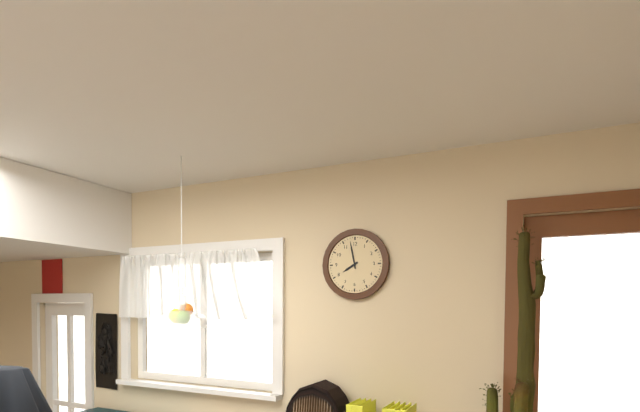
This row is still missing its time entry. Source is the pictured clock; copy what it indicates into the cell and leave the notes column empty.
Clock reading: 7:58
